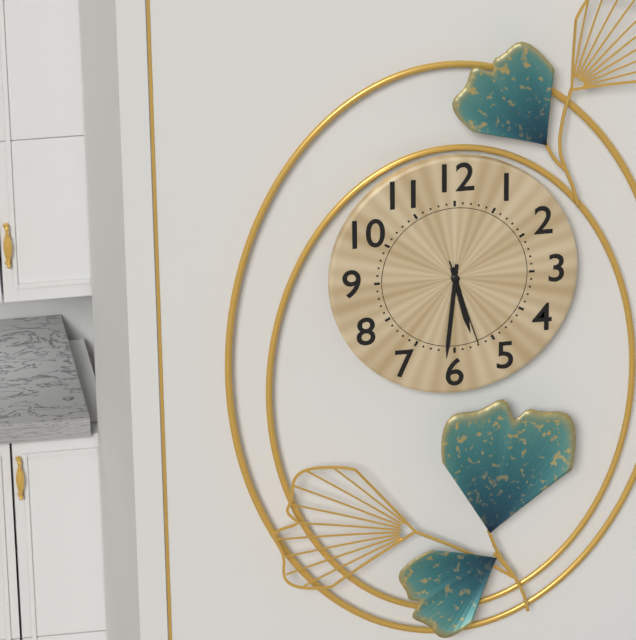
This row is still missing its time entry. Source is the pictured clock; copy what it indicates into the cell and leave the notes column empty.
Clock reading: 5:31:27
